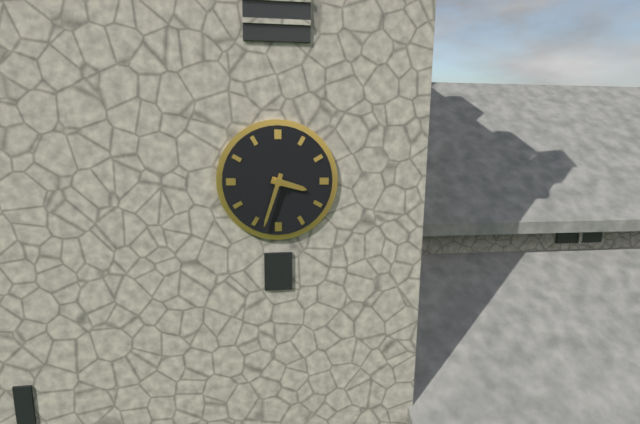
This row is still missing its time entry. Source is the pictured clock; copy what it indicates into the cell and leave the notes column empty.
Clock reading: 3:33
